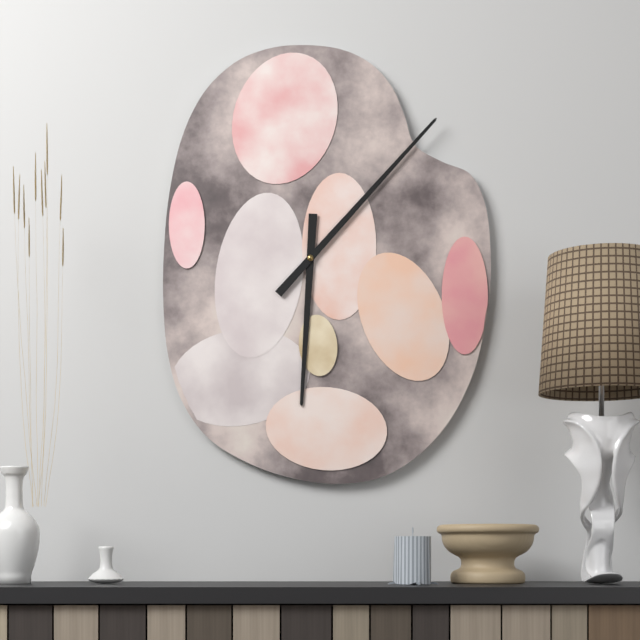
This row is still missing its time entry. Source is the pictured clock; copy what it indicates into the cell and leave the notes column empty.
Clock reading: 6:07
